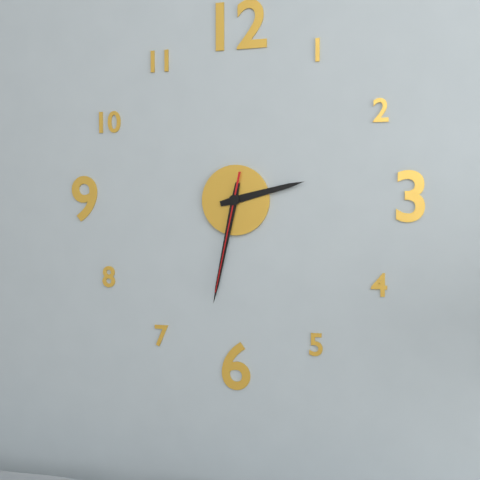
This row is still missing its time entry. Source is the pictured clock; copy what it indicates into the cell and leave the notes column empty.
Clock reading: 2:32:32
